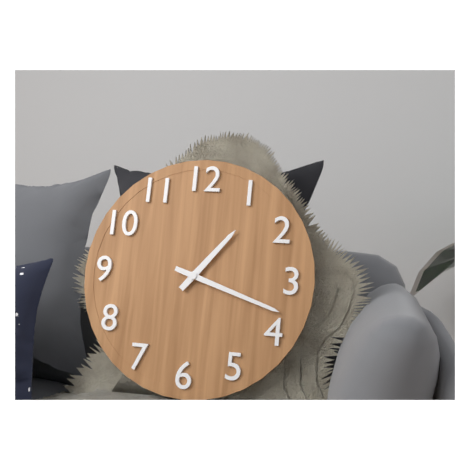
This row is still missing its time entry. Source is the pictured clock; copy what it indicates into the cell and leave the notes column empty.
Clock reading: 1:18
